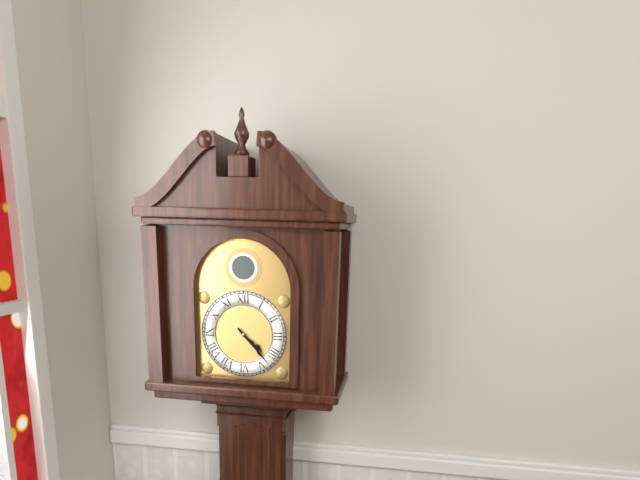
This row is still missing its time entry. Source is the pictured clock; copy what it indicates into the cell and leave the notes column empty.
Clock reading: 4:23
